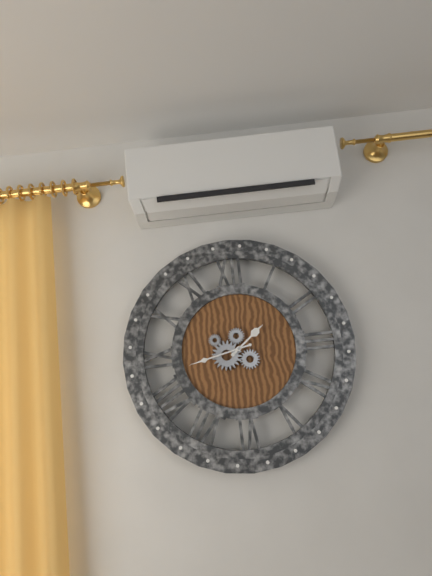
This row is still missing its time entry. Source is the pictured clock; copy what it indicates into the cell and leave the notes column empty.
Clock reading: 1:43
